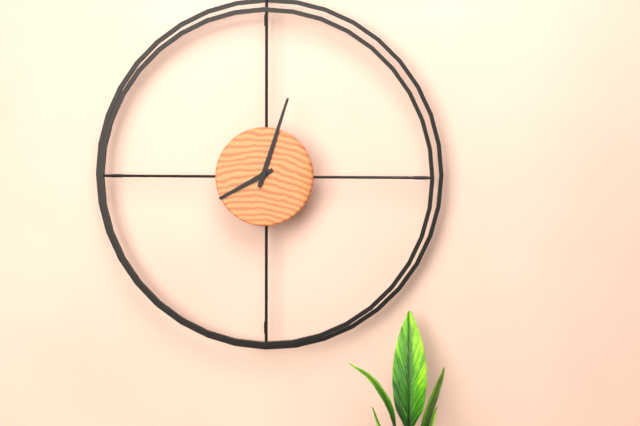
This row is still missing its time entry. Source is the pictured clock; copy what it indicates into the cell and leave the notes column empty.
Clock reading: 8:03
